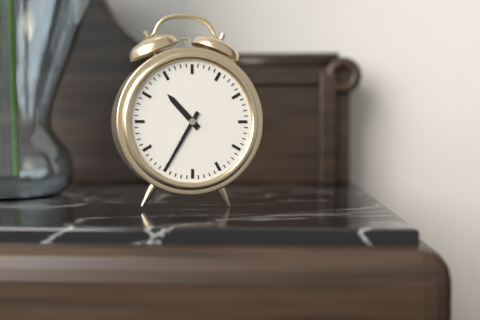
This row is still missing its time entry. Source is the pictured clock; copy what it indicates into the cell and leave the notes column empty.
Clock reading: 10:35
